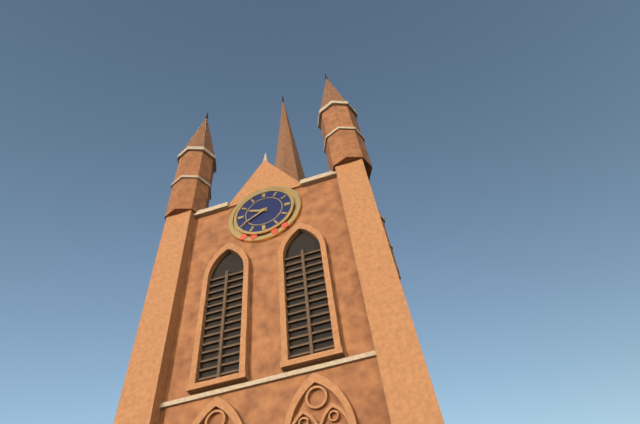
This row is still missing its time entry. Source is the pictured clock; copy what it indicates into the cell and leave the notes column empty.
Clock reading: 9:40
